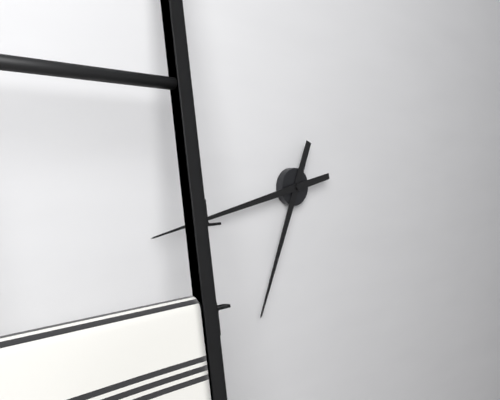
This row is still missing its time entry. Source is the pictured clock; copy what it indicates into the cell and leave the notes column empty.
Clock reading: 6:43
